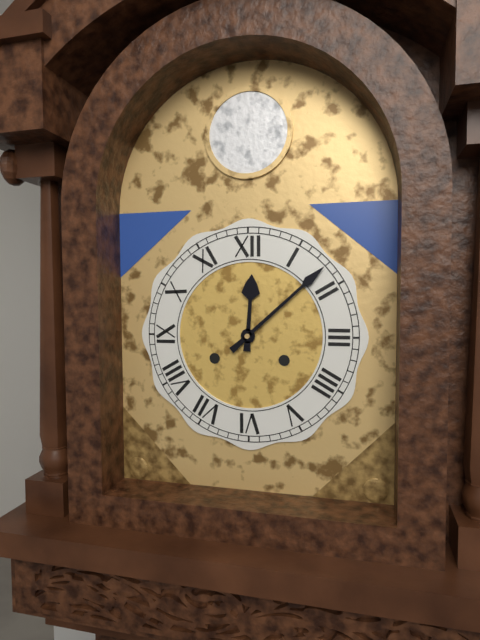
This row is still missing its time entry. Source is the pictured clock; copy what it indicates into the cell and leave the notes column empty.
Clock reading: 12:08
